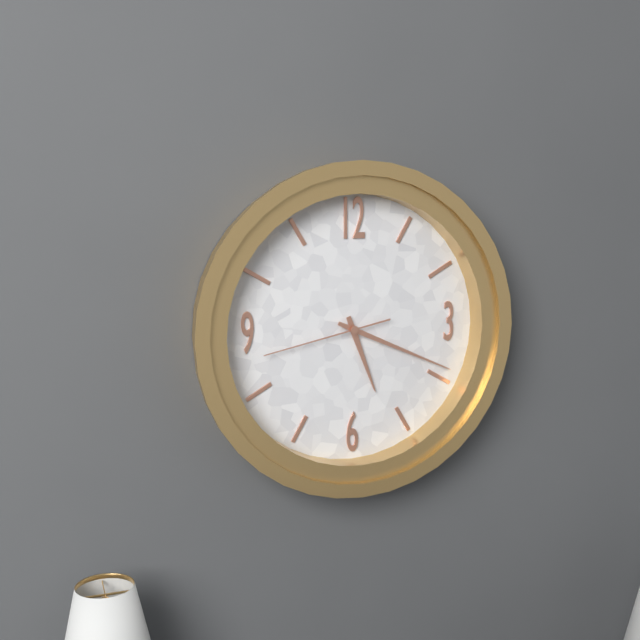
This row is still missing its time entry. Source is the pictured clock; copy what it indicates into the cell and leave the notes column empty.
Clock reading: 5:19:43
